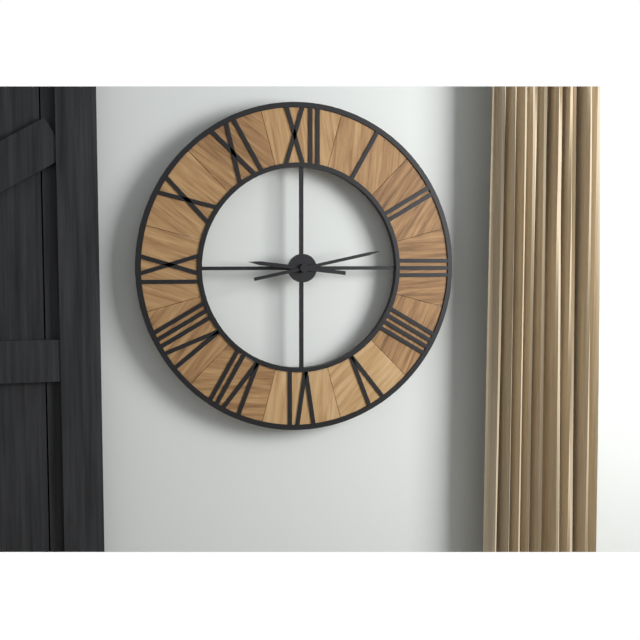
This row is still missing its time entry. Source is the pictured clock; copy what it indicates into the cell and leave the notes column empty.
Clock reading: 9:13
